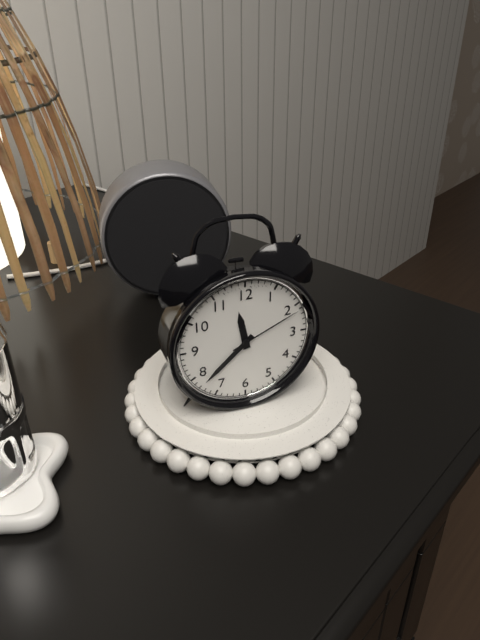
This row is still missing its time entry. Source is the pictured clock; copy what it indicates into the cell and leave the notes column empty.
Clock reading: 11:38:11
